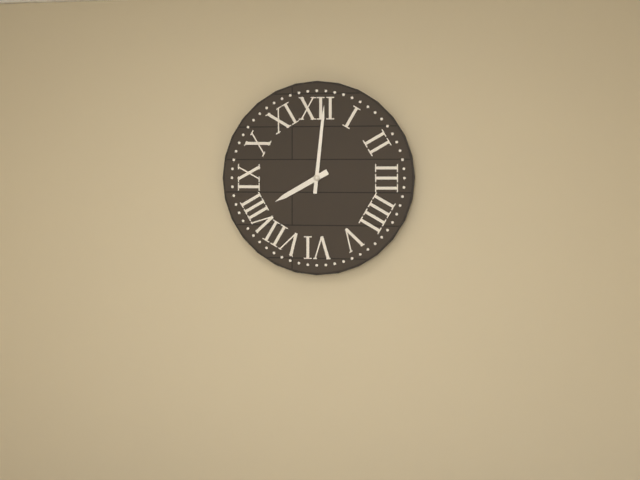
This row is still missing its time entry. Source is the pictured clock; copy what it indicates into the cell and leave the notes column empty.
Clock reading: 8:01
